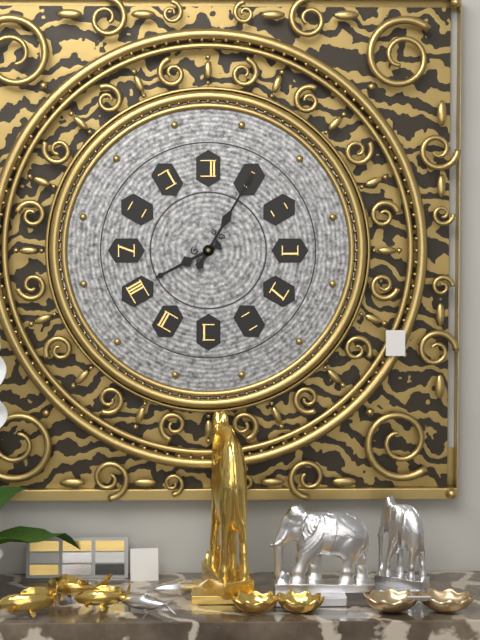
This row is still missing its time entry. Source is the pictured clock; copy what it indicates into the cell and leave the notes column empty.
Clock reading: 8:05
